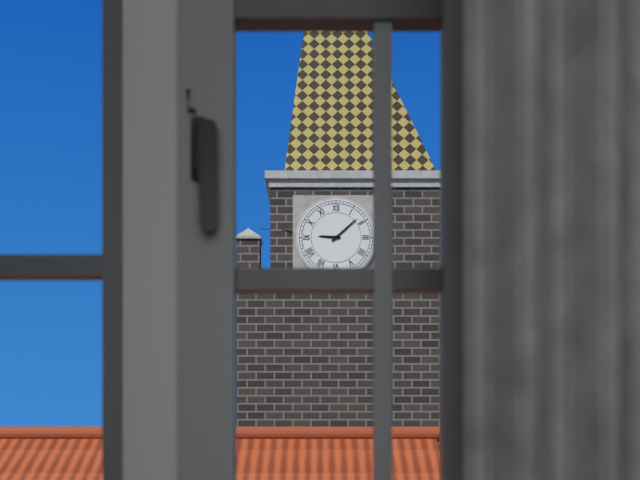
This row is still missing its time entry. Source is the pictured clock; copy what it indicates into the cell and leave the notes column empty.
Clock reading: 9:08
